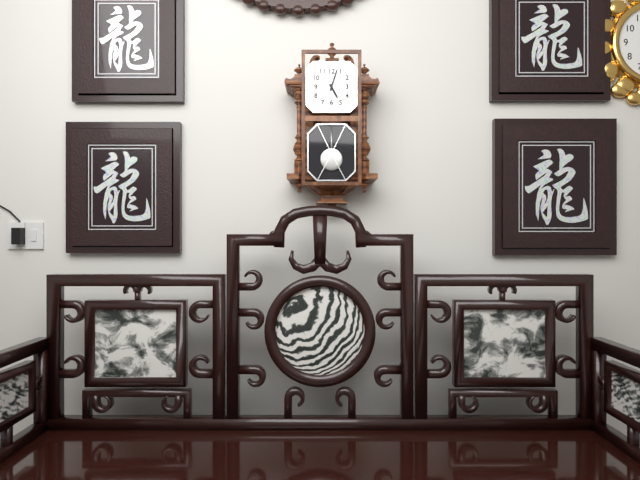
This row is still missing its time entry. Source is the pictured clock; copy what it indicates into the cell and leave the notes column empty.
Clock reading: 5:03
